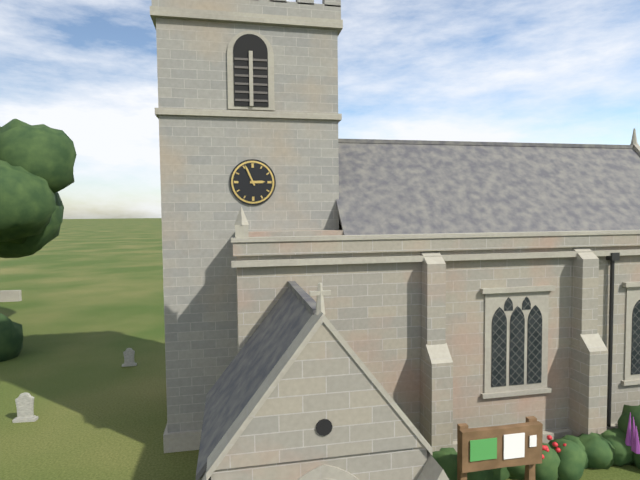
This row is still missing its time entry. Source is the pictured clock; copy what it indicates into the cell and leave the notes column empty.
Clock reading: 2:56
